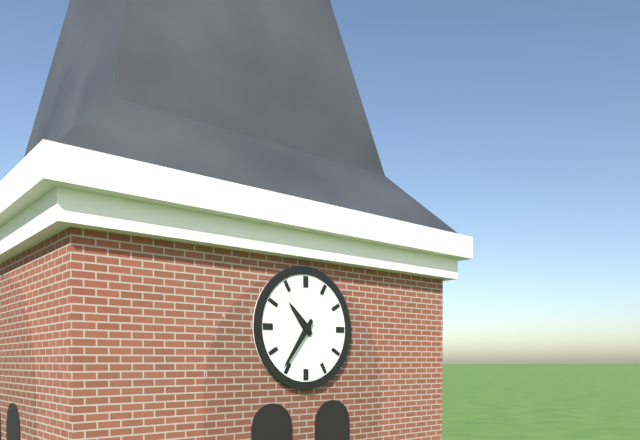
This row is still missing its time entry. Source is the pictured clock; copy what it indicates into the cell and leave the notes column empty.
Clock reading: 10:36
